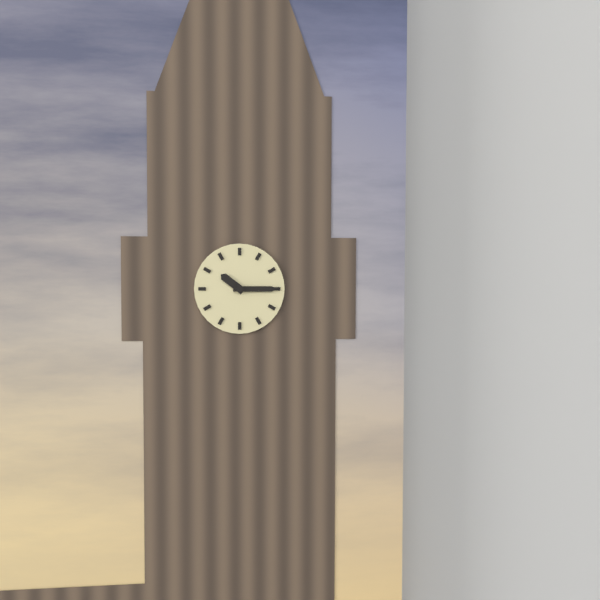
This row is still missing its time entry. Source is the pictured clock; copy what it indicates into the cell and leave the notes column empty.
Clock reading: 10:15
